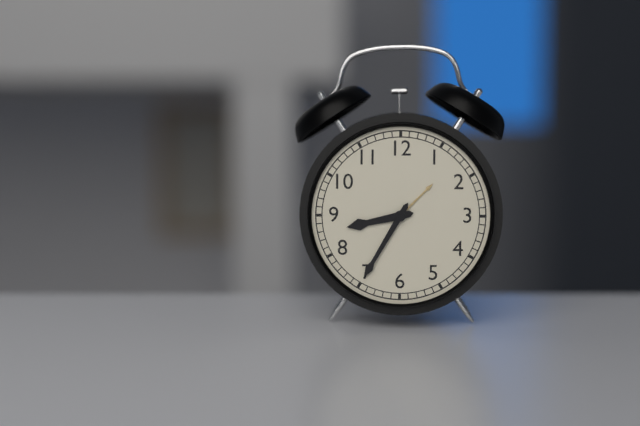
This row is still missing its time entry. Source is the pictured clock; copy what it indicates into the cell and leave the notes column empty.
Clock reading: 8:35
